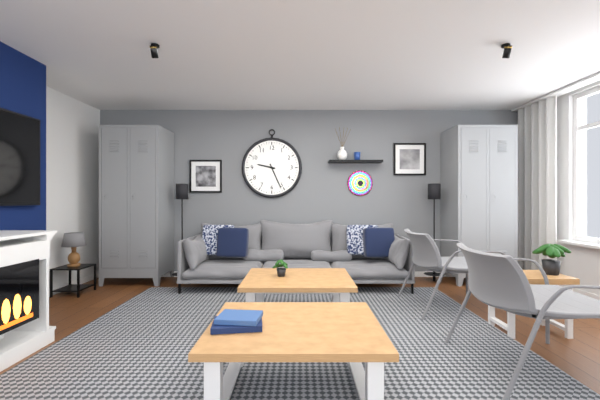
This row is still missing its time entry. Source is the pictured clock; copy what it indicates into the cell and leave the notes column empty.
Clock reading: 9:26
